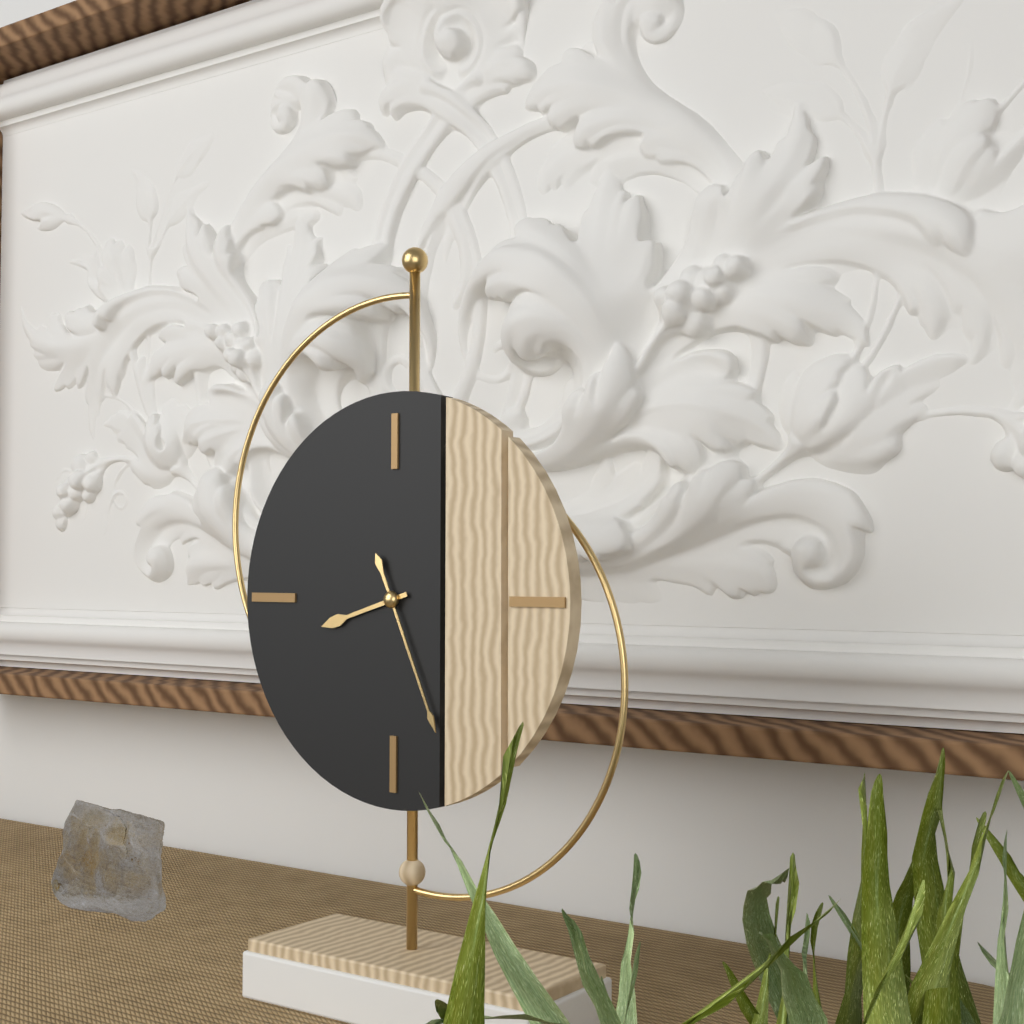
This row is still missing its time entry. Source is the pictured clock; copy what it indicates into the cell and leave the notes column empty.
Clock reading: 8:26
